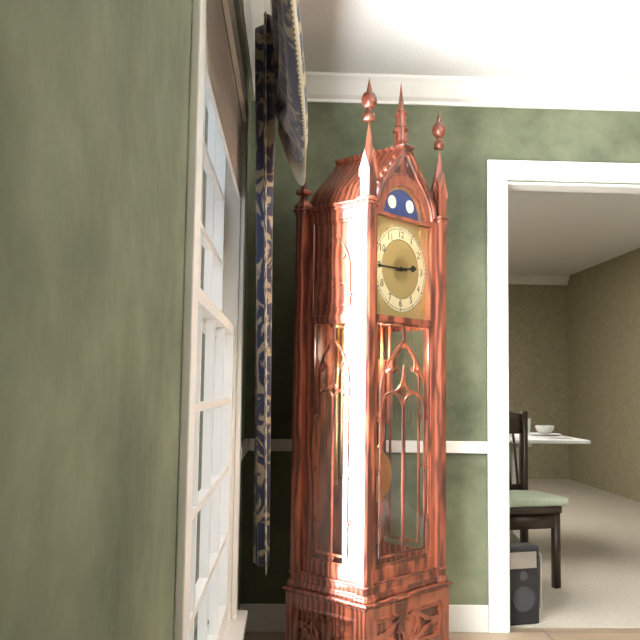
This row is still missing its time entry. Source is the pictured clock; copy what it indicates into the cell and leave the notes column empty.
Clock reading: 2:45
